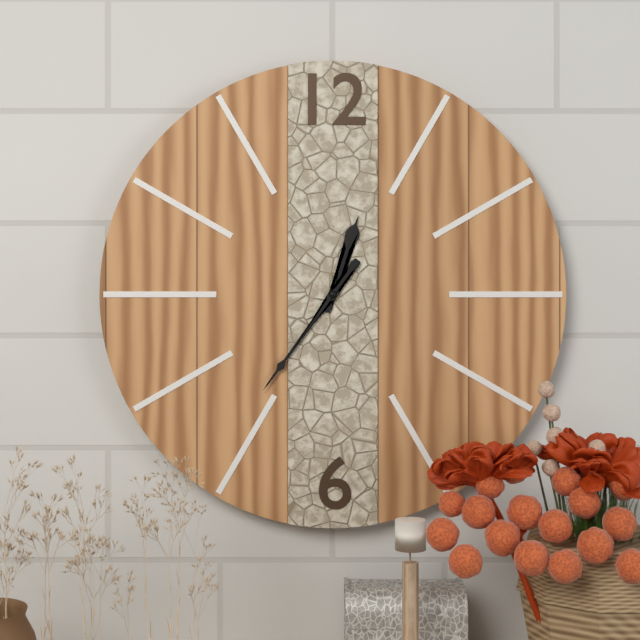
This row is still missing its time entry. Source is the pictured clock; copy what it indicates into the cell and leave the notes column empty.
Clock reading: 12:36
